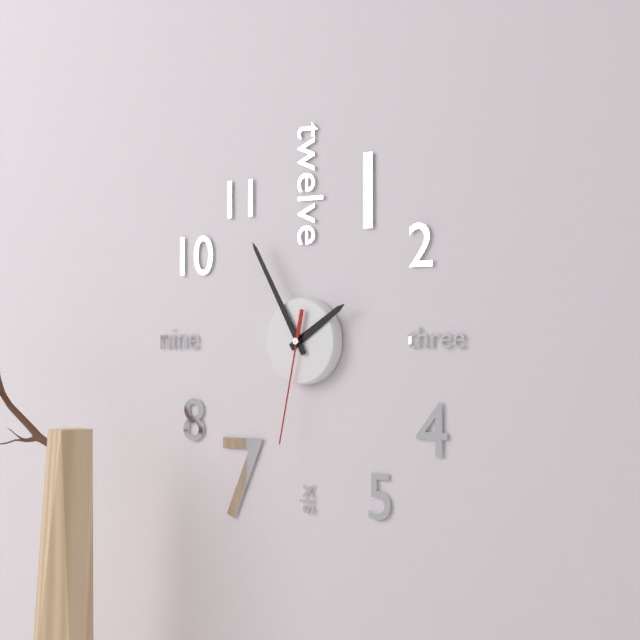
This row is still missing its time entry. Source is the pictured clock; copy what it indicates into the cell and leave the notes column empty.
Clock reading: 1:55:32
